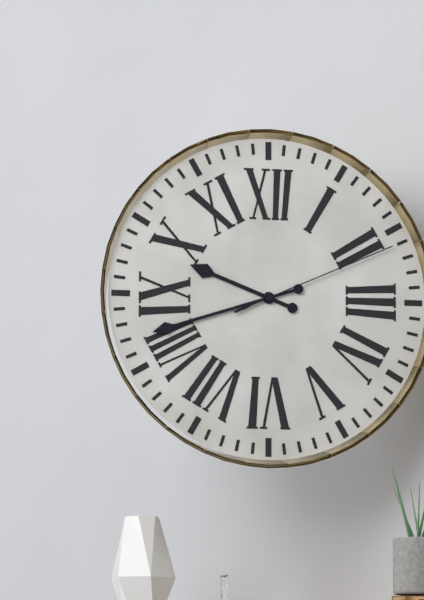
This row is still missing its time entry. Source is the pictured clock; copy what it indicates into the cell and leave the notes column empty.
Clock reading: 9:42:11
